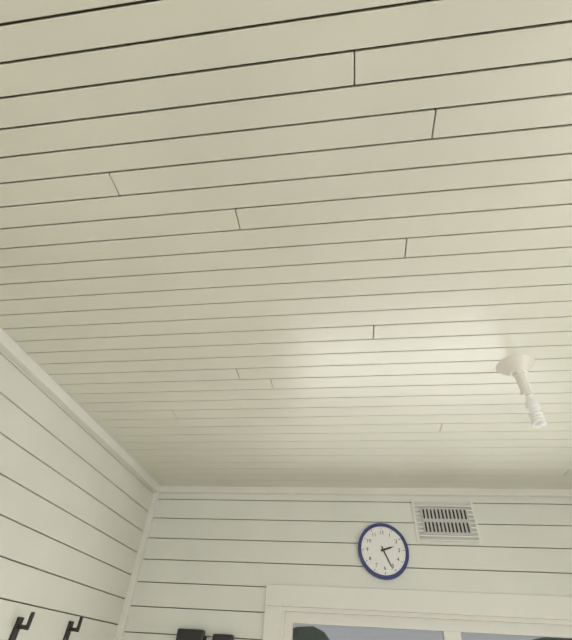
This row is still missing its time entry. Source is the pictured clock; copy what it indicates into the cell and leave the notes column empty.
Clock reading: 2:26
